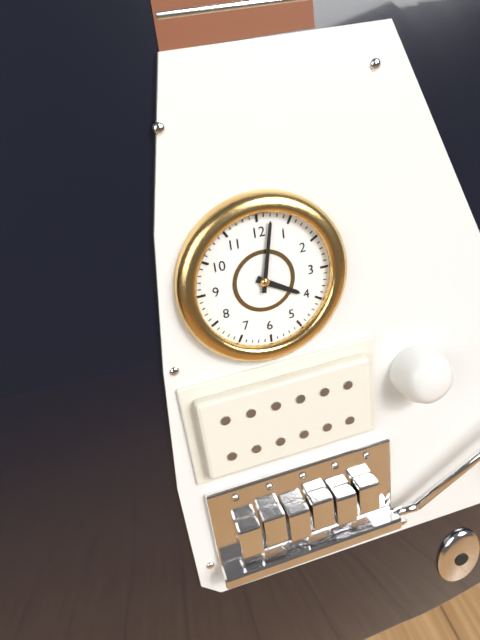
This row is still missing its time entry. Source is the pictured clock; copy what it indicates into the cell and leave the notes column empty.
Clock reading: 4:02
